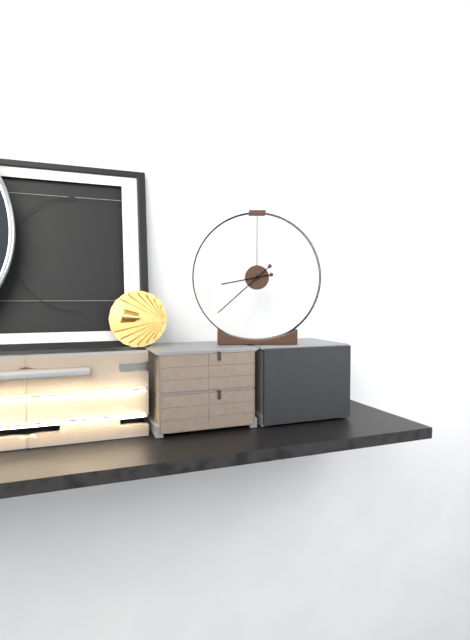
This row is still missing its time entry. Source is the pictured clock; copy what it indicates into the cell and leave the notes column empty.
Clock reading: 8:38
